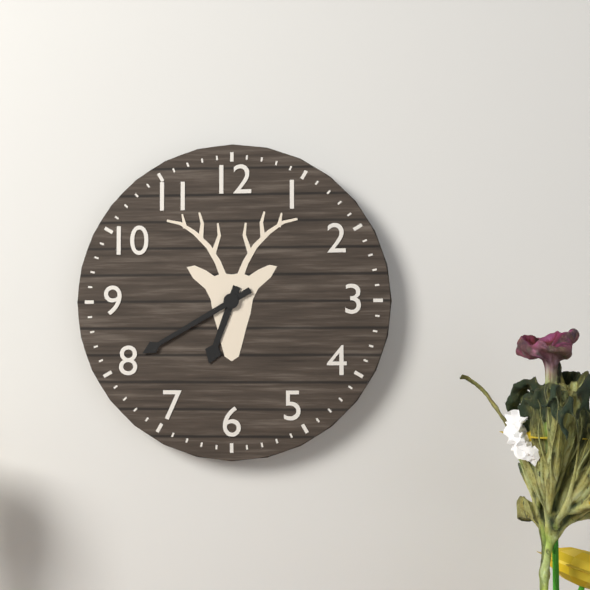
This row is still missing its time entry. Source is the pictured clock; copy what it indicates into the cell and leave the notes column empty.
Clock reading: 6:40
